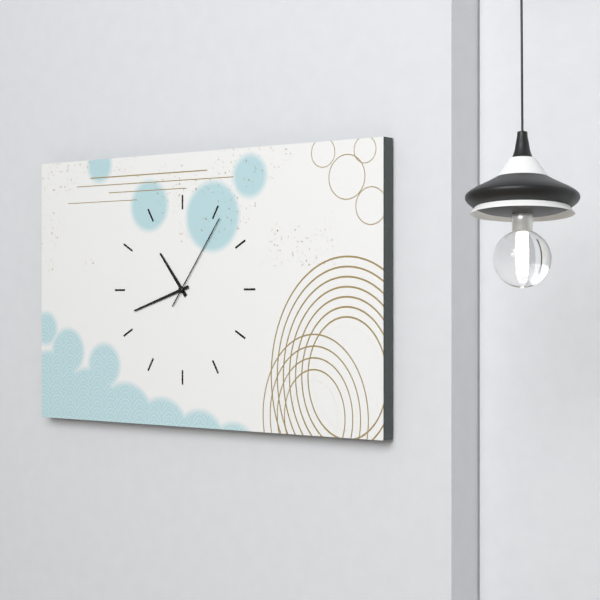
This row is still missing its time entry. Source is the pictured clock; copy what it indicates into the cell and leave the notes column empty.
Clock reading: 10:42:06
